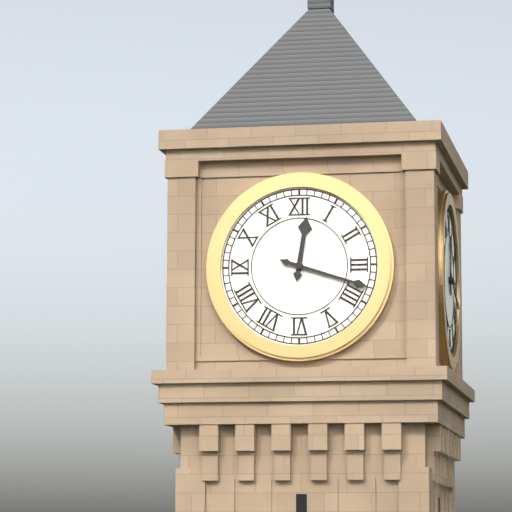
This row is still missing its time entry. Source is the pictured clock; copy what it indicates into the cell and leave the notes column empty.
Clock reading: 12:18
